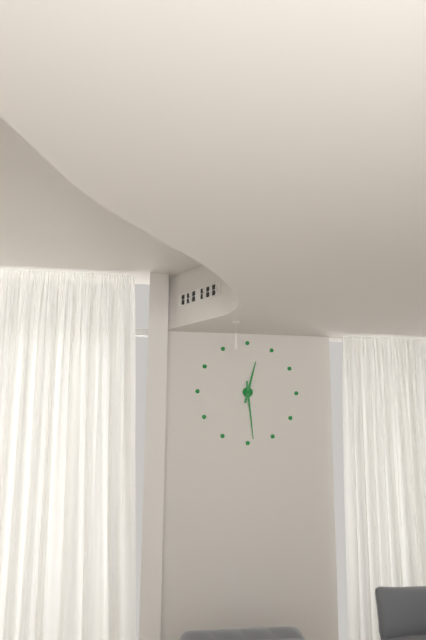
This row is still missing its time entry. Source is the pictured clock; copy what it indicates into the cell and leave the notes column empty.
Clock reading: 12:29
